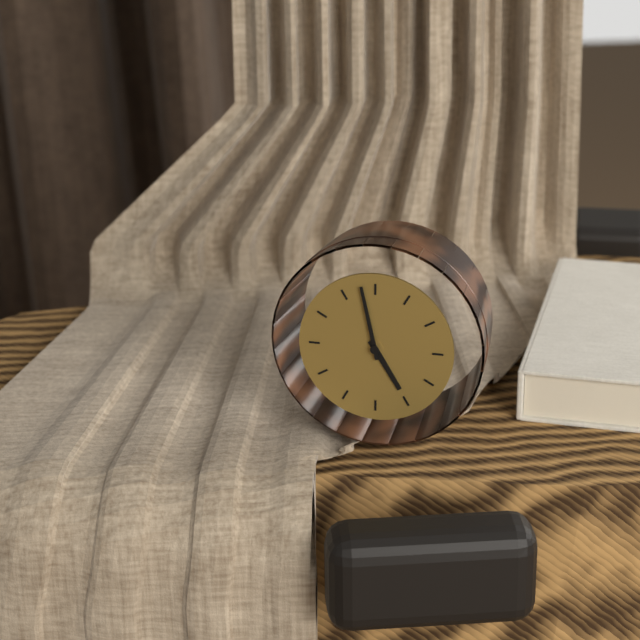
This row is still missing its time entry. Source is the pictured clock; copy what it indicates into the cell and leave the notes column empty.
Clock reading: 4:58
